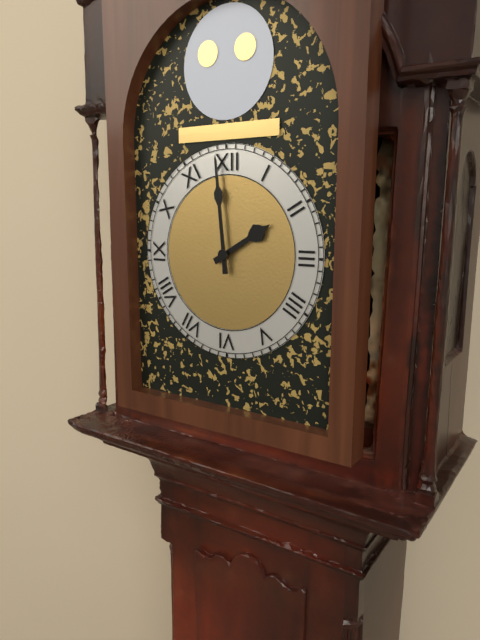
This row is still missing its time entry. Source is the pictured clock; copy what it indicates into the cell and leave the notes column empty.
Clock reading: 1:59
